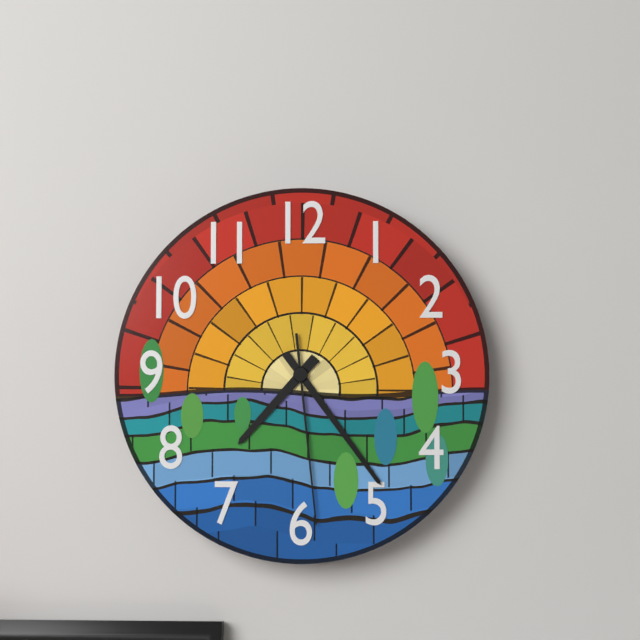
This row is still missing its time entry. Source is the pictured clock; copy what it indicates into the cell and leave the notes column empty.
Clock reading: 7:24:29
